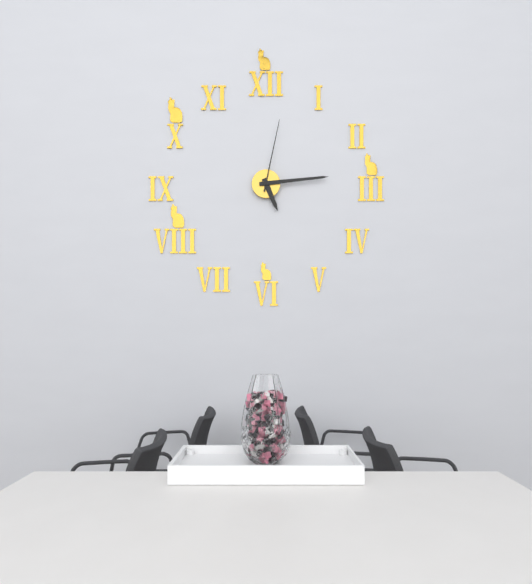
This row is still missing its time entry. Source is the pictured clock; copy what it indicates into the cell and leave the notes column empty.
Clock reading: 5:14:02
